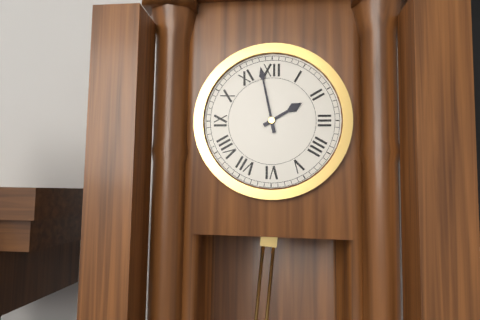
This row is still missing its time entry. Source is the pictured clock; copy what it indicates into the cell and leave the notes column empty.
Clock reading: 1:58
